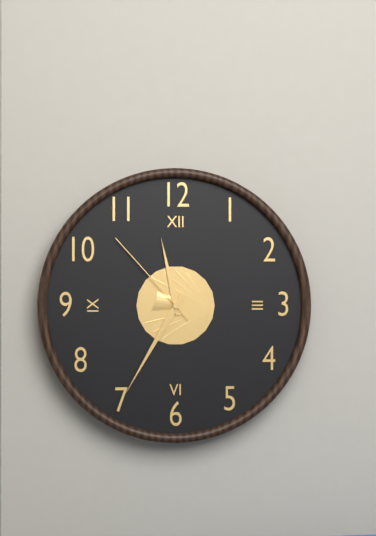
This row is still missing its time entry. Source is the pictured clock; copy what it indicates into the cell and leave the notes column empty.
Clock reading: 11:35:53
